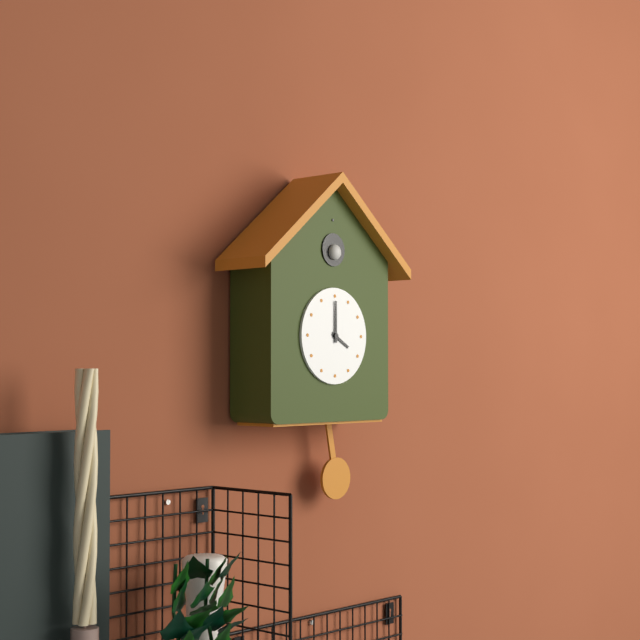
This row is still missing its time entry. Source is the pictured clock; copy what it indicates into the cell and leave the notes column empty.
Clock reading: 4:00
